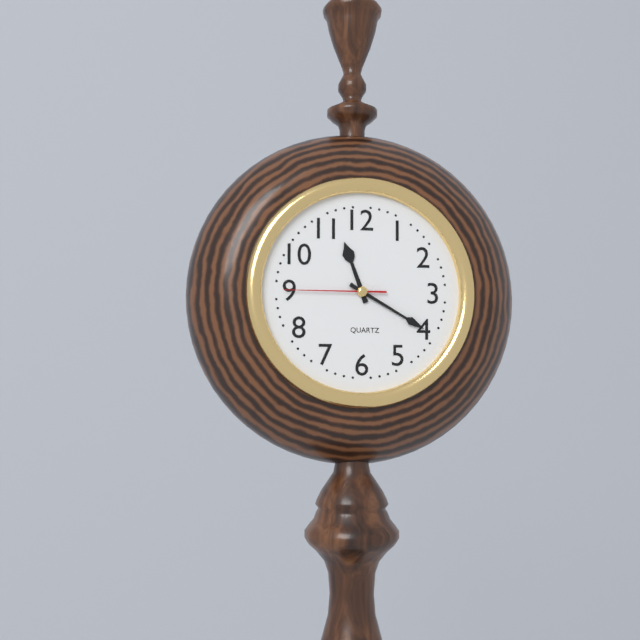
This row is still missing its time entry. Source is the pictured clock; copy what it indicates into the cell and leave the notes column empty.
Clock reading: 11:20:45
